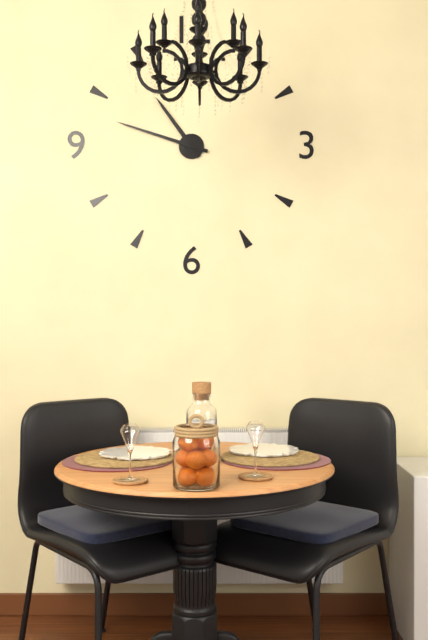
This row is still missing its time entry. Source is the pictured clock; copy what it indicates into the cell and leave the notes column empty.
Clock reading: 10:48
